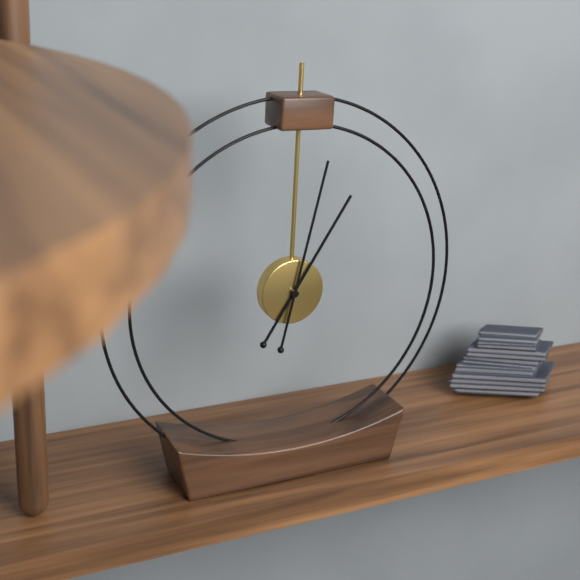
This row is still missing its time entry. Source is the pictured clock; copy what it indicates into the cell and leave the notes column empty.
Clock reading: 1:02
